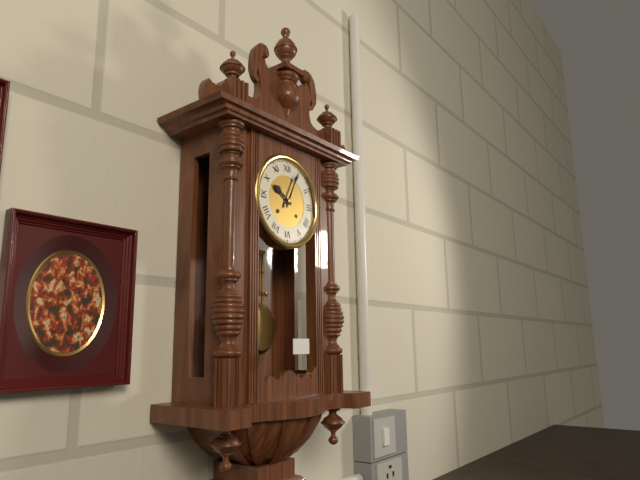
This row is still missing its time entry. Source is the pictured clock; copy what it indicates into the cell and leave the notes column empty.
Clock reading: 10:04
